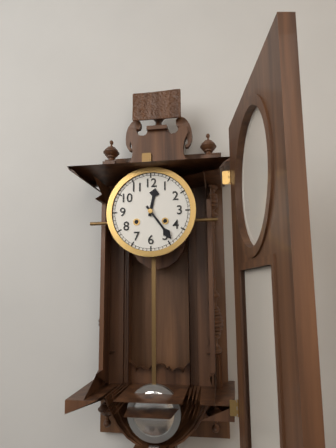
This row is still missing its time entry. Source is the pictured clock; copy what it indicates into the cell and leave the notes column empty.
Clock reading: 12:24
